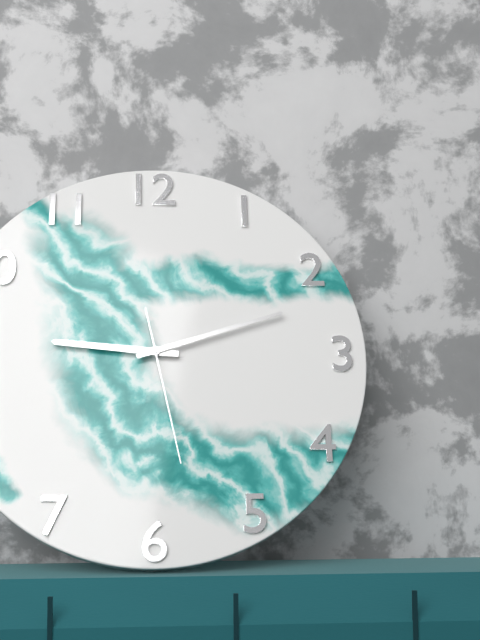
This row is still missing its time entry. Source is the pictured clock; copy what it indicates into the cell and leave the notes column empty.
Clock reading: 9:12:28
